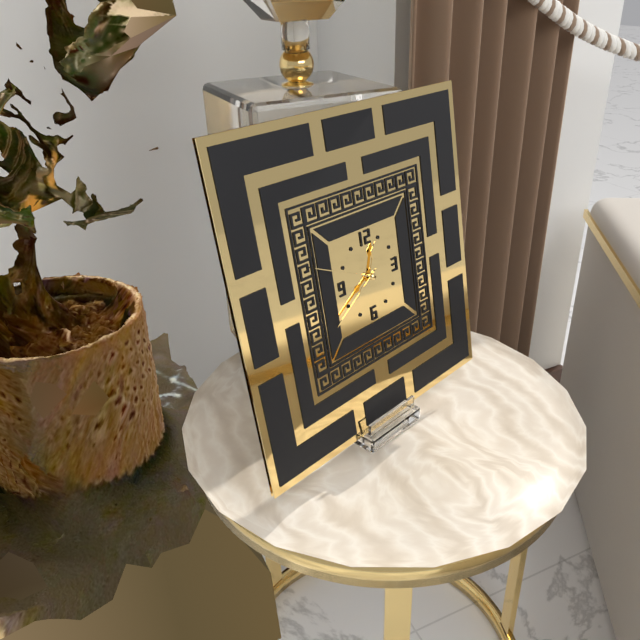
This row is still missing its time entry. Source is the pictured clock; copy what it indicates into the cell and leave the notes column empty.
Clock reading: 12:40:49
